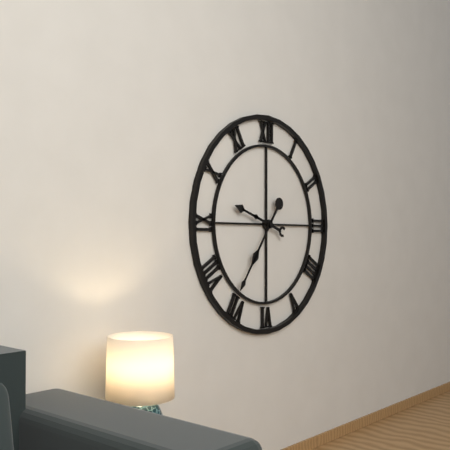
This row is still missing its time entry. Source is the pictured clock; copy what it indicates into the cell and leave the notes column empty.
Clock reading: 9:36
